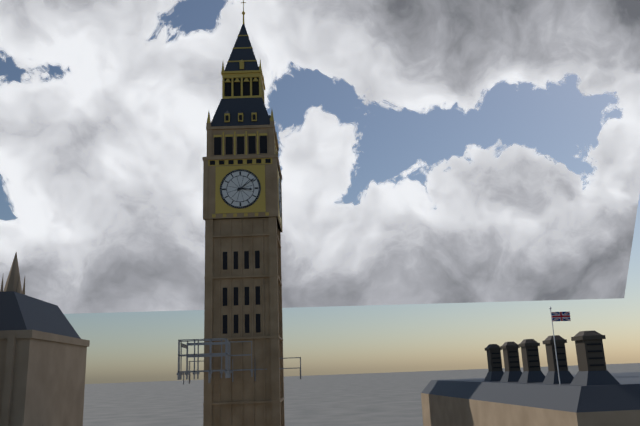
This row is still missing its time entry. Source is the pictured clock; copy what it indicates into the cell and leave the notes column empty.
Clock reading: 3:09
